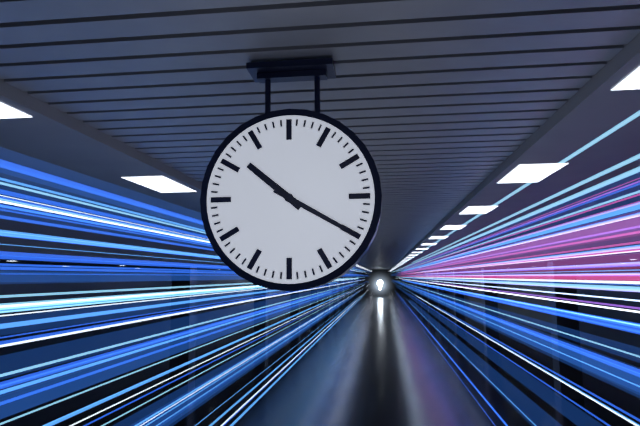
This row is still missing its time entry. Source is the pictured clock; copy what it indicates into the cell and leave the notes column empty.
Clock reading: 10:20
